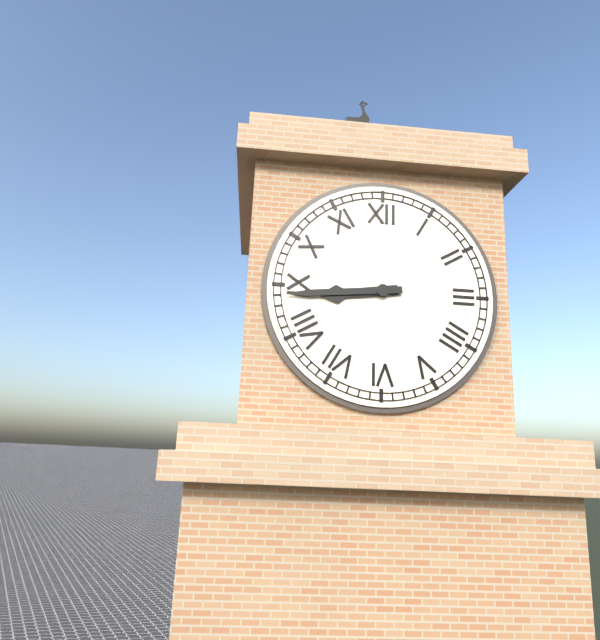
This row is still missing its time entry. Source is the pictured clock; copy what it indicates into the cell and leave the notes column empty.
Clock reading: 8:44
